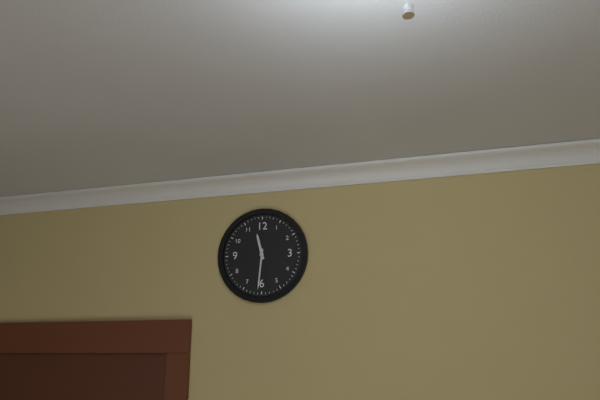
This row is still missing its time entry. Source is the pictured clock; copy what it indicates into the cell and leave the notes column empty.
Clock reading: 11:31
